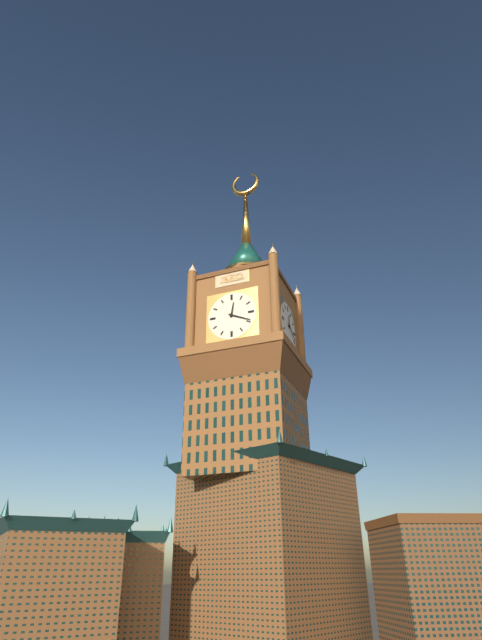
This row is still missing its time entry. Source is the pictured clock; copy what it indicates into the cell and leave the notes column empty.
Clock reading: 12:19
